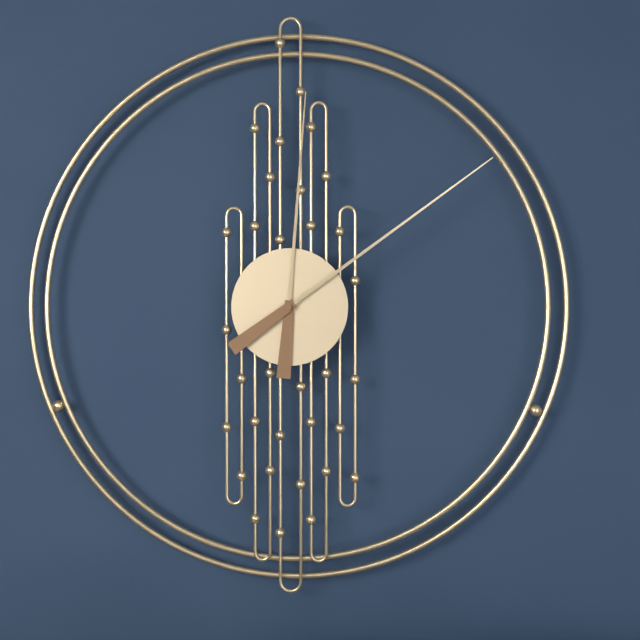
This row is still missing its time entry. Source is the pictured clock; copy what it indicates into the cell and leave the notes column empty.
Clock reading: 12:09
